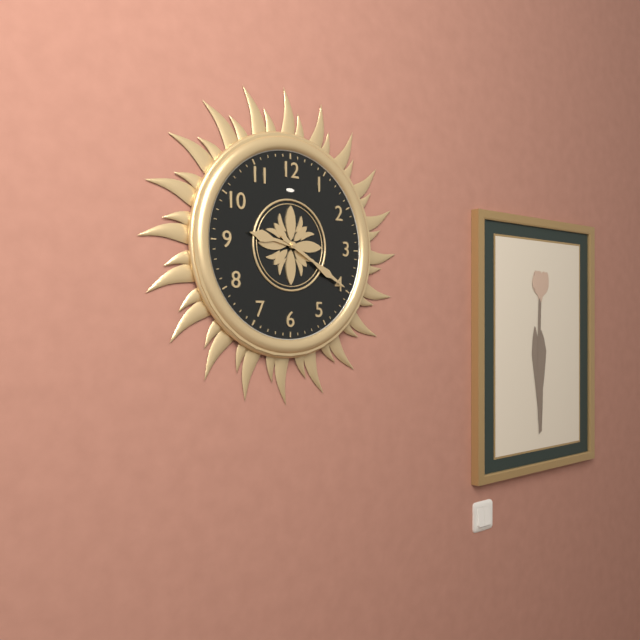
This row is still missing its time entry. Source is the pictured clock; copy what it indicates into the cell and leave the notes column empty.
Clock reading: 9:20
